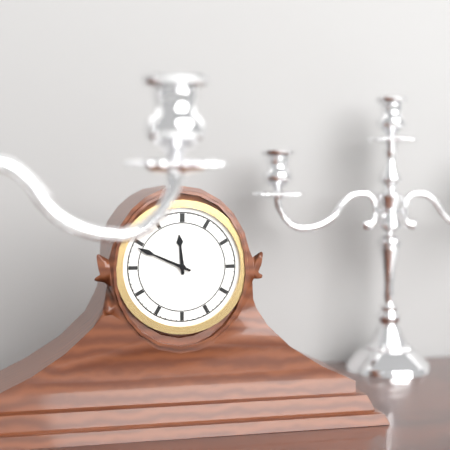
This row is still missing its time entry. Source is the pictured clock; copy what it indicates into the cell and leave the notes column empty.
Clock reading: 11:49
